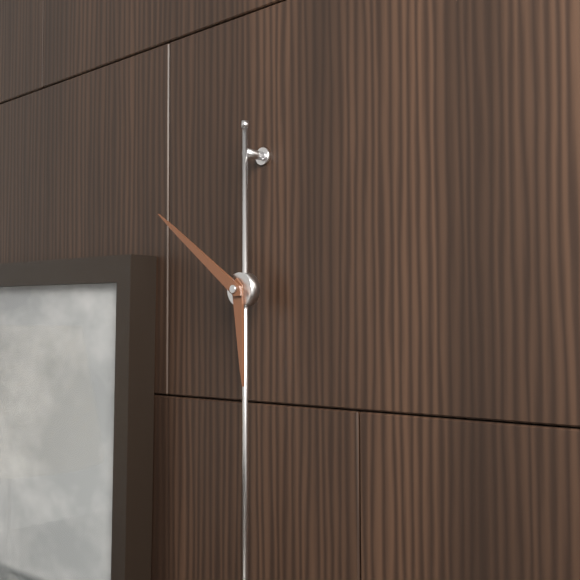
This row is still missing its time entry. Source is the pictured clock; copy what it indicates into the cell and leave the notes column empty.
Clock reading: 5:51
